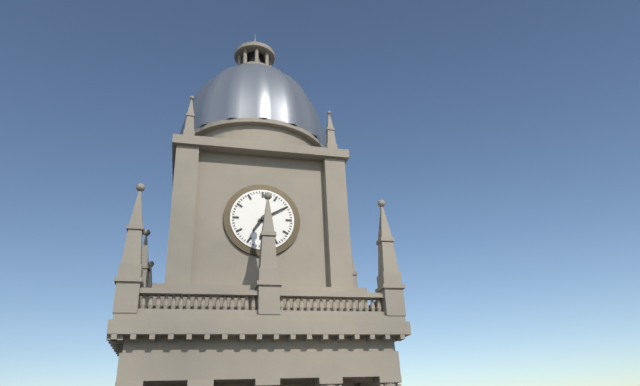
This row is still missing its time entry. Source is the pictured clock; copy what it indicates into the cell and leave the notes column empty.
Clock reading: 7:10
